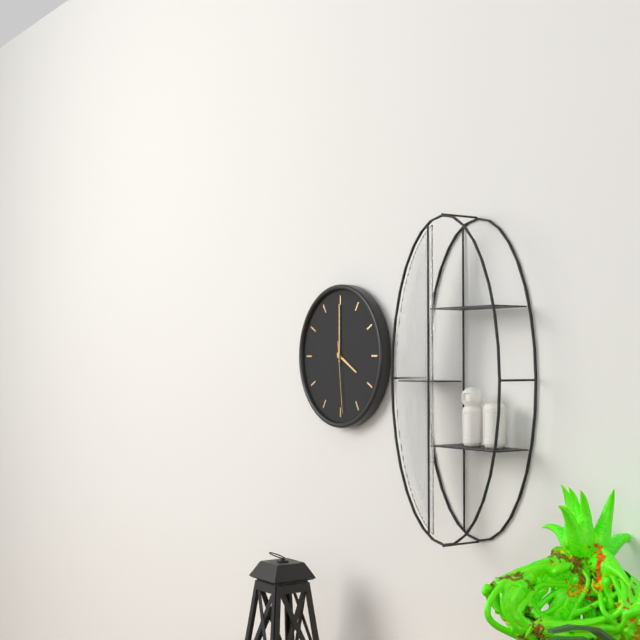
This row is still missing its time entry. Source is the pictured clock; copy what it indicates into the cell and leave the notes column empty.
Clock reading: 4:00:29
